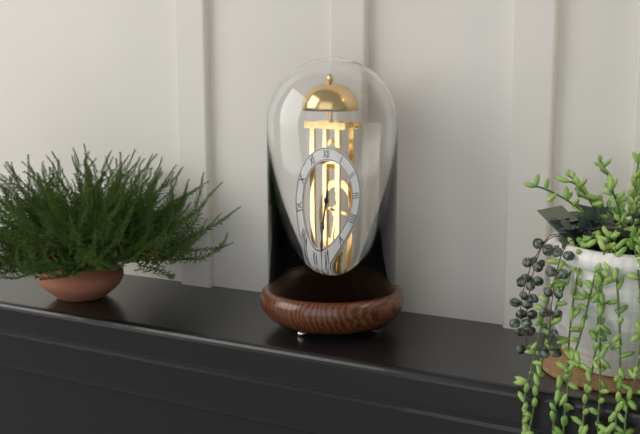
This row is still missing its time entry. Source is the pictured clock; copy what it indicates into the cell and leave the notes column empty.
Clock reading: 6:32
